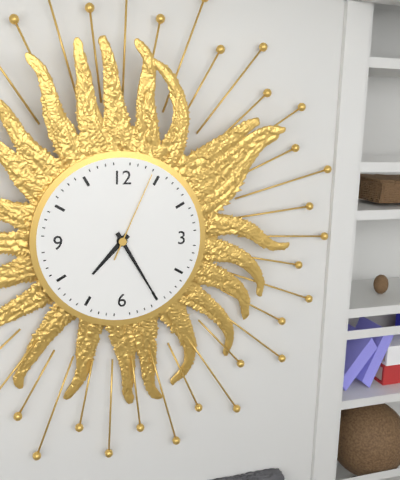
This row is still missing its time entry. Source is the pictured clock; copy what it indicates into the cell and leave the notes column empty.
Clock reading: 7:25:04
